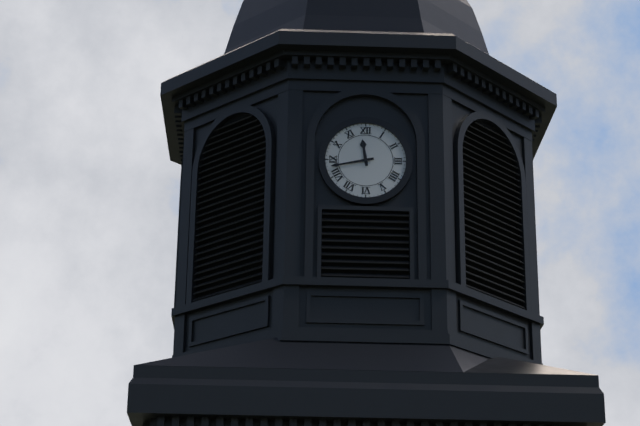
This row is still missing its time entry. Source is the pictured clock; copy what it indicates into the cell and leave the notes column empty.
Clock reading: 11:43
